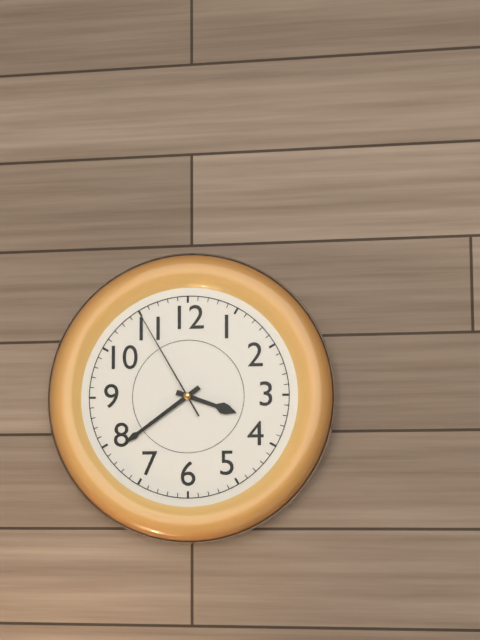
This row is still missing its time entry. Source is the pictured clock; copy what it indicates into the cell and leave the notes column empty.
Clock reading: 3:39:55
